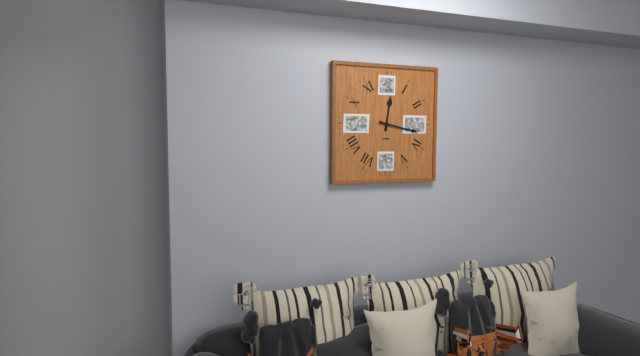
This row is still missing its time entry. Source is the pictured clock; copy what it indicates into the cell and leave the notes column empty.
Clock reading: 12:17
